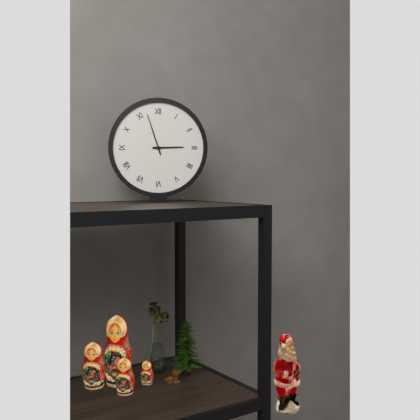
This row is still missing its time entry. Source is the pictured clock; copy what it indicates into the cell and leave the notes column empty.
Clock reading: 2:57
